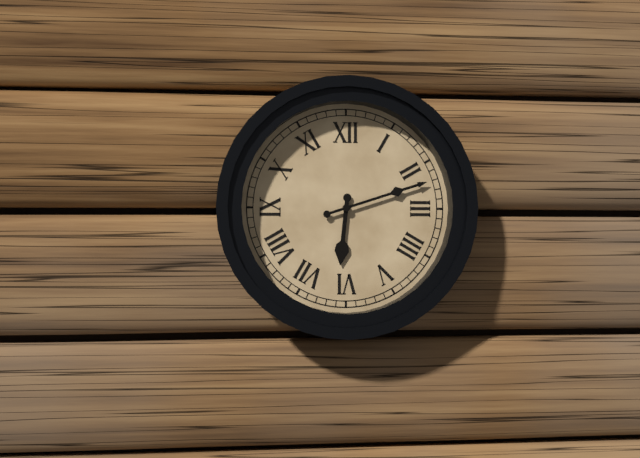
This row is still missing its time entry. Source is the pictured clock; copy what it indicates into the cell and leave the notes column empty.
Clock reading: 6:12
